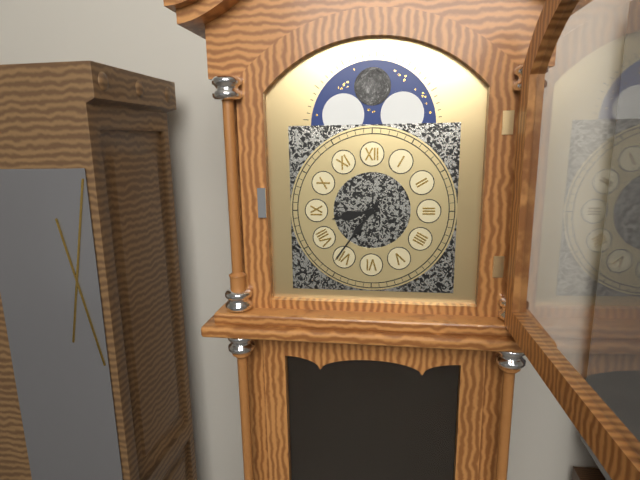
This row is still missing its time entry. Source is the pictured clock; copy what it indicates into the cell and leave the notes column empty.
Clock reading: 8:36
